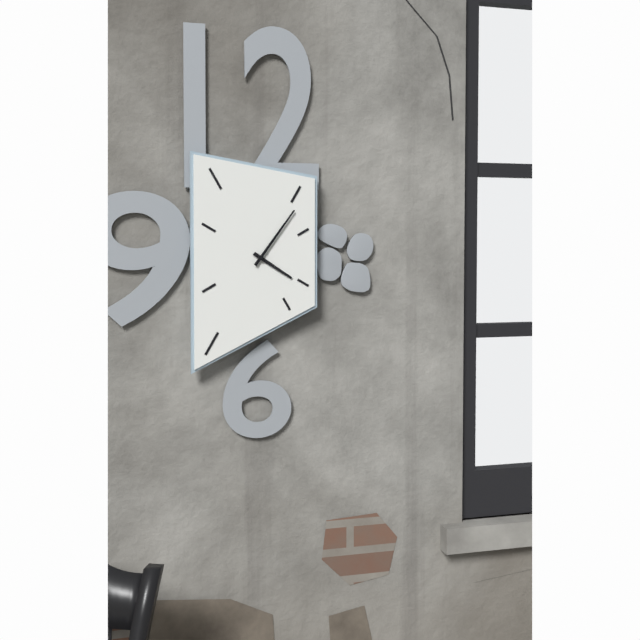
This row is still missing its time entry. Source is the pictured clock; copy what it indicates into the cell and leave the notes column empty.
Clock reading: 4:06
